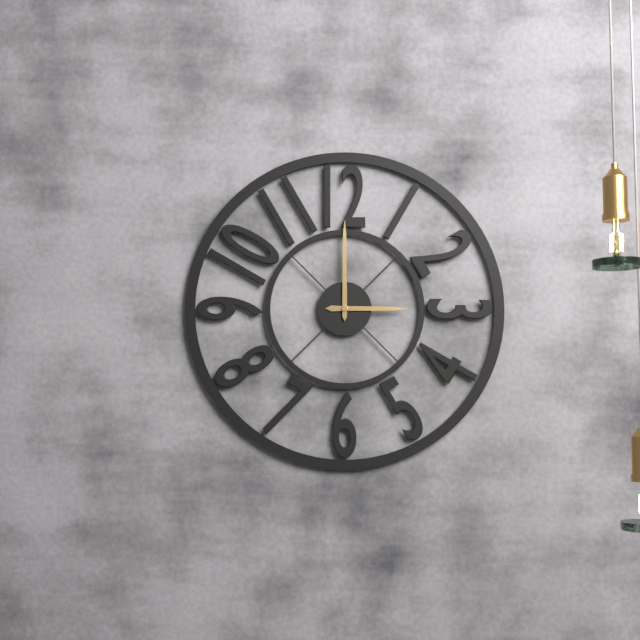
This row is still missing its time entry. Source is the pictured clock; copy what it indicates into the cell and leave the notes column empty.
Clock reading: 3:00
